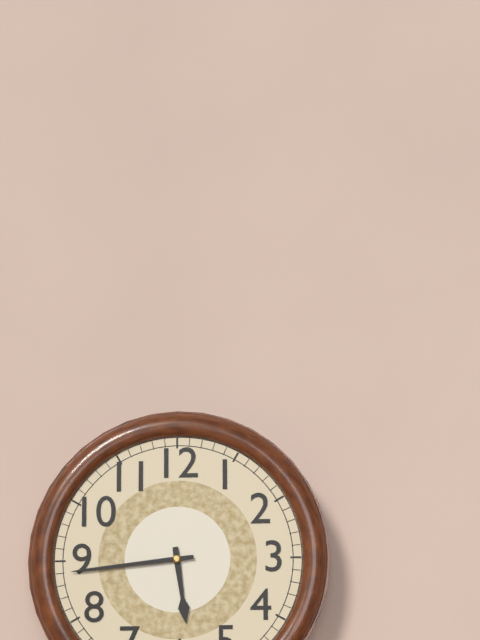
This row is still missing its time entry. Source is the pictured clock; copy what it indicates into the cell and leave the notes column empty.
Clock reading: 5:44
